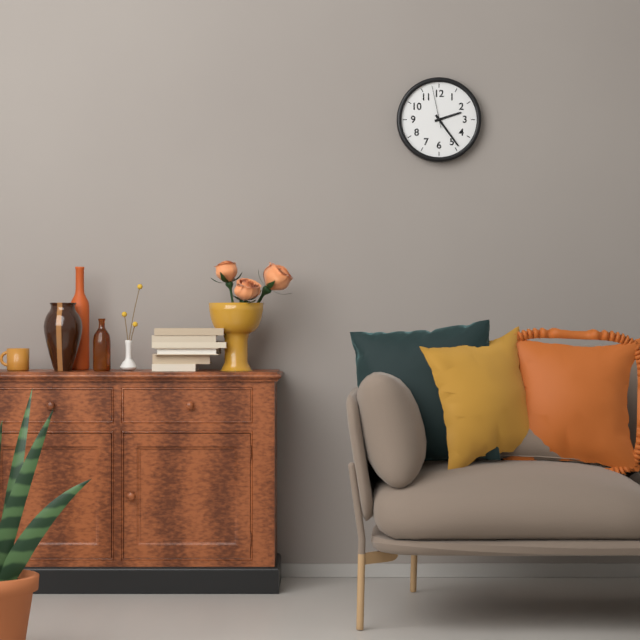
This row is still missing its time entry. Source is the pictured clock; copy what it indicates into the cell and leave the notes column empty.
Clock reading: 2:24
